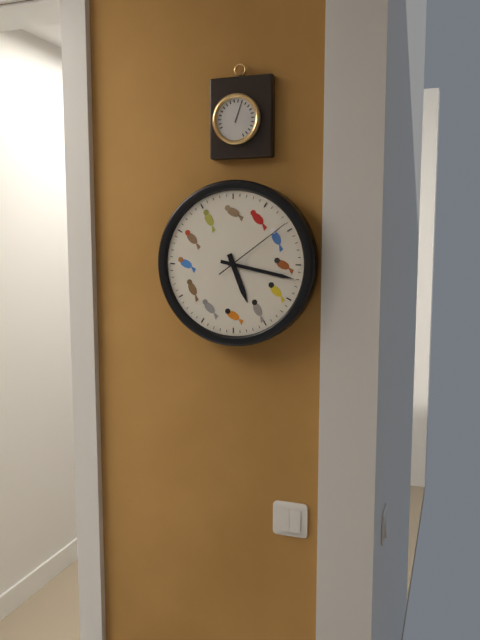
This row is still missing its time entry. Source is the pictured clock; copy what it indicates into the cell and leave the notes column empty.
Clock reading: 5:17:09
